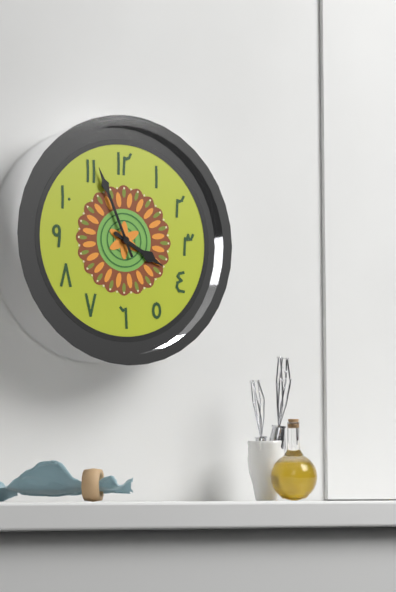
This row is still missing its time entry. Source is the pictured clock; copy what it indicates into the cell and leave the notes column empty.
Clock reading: 3:56
